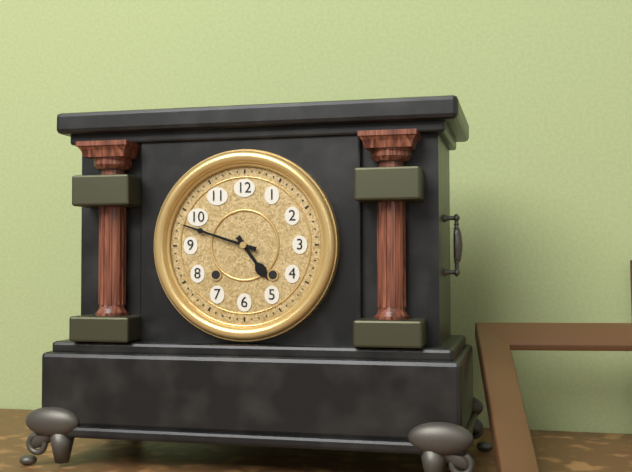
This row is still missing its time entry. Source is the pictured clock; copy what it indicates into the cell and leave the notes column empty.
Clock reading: 4:48
